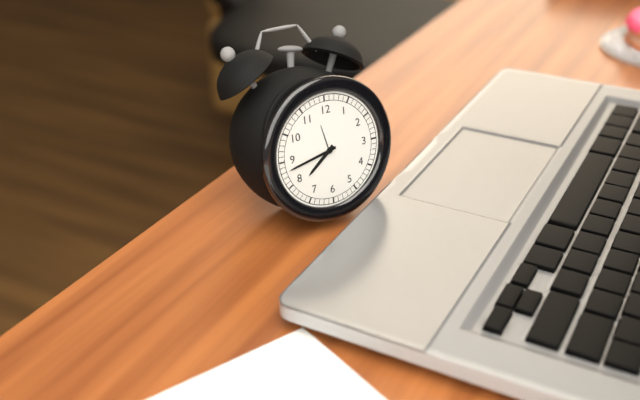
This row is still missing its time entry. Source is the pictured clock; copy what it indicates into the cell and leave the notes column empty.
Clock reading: 7:43
